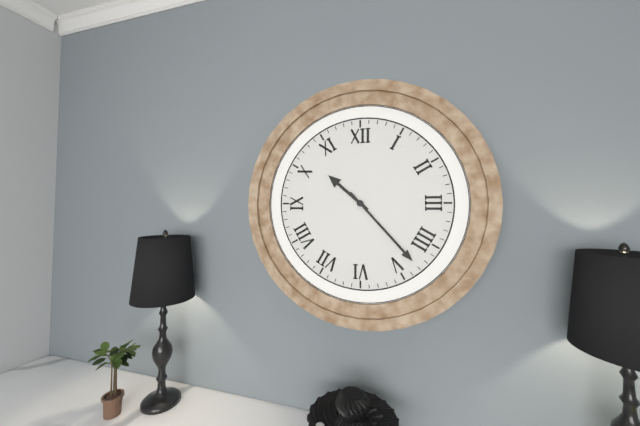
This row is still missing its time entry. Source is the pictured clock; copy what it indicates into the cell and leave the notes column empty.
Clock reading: 10:23
